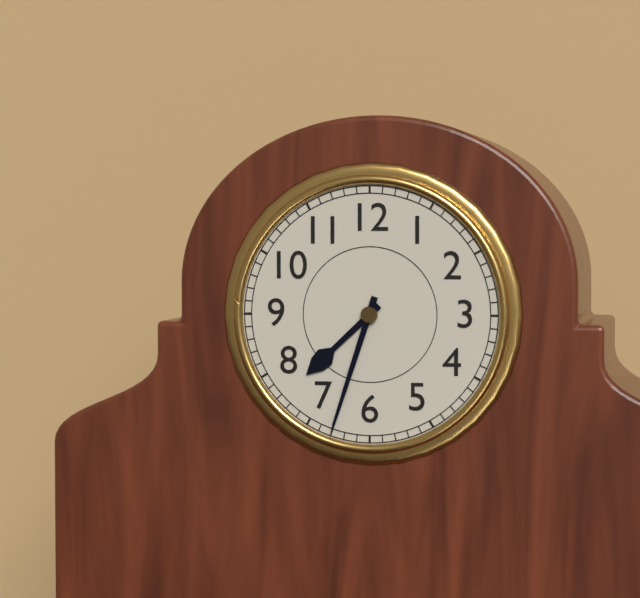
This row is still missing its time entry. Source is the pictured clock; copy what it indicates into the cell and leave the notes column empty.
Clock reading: 7:33
